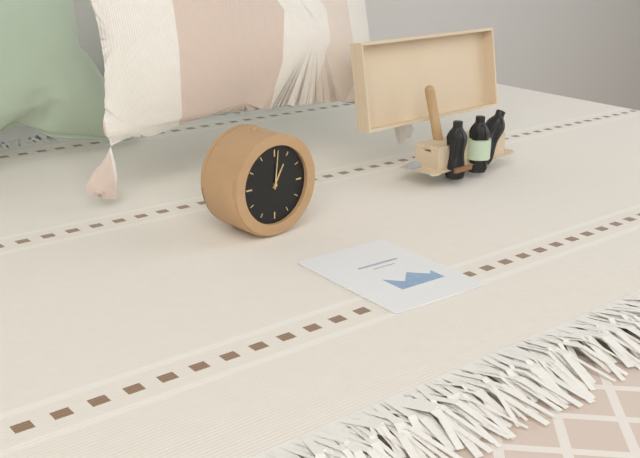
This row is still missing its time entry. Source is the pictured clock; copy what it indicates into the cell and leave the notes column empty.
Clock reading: 1:01
